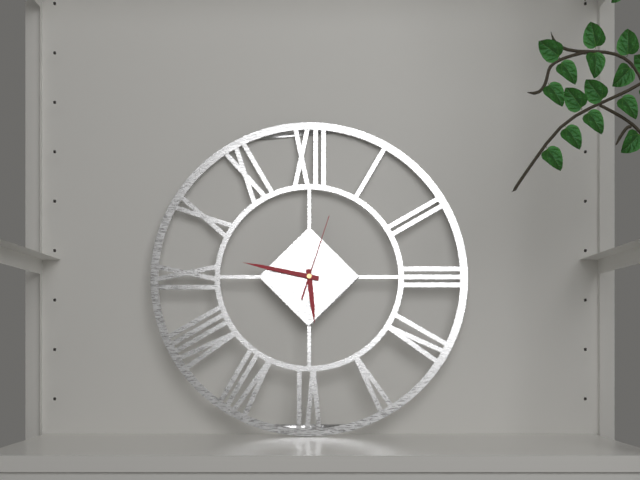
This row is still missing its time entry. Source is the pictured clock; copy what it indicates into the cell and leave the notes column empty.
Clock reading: 5:47:03
